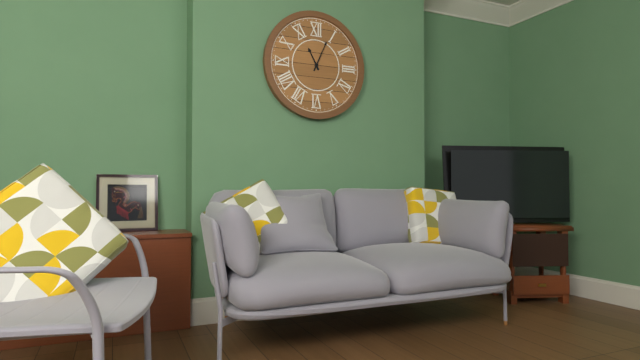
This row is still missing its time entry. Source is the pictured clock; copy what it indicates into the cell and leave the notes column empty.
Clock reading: 11:04
